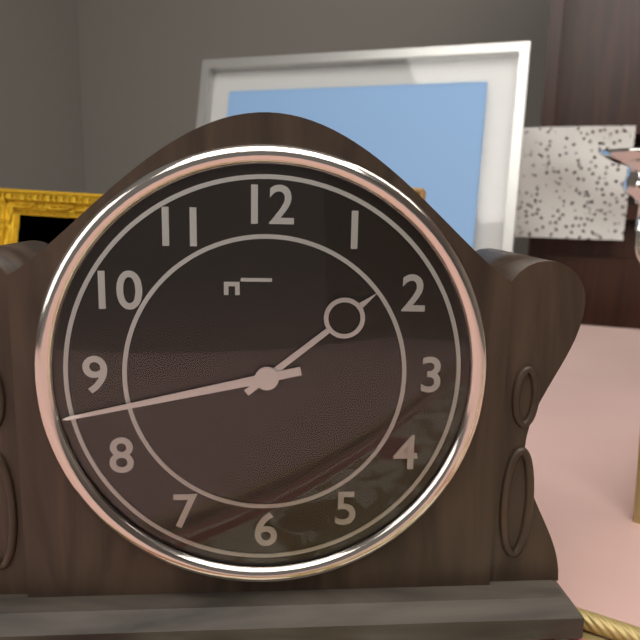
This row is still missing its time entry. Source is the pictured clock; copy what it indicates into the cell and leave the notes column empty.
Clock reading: 1:43
